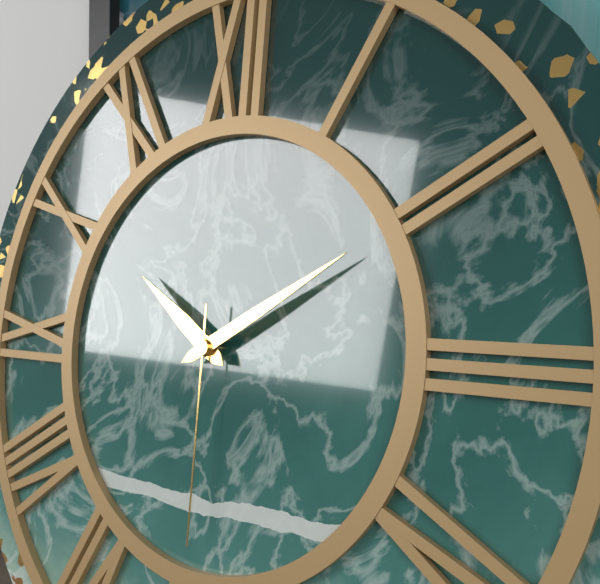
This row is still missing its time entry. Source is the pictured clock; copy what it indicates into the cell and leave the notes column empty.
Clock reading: 10:10:30
